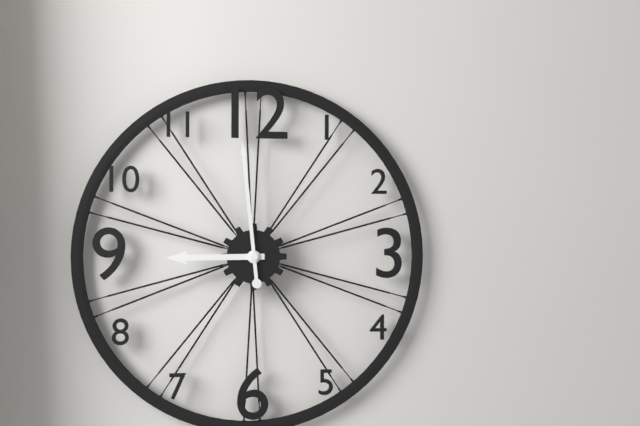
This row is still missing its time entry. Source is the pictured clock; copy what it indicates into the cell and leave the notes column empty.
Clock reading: 8:59
